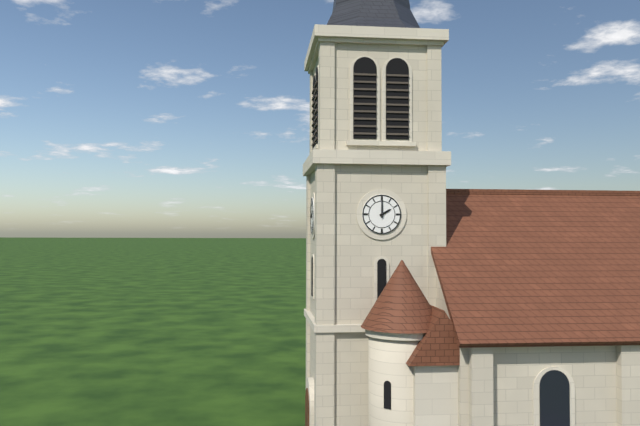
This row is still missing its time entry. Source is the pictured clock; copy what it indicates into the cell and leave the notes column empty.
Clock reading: 2:00
